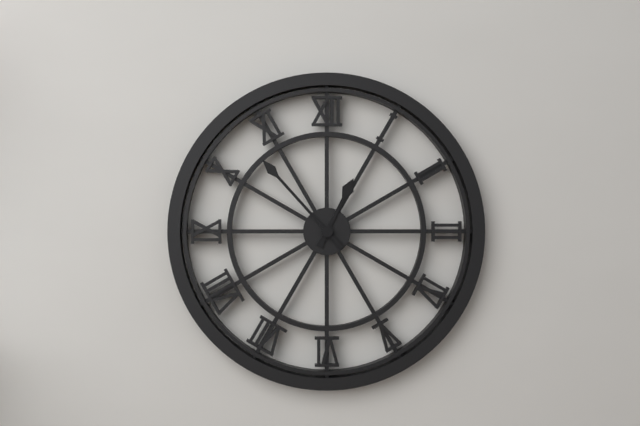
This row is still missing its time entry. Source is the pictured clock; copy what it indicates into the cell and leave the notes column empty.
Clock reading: 12:53
